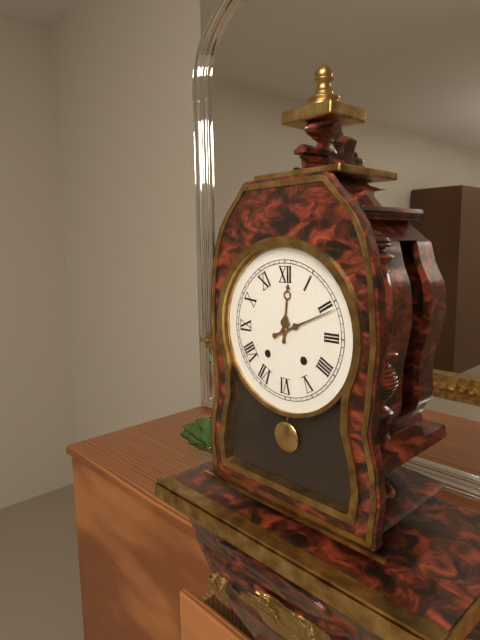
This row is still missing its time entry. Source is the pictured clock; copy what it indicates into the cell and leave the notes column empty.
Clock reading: 12:11
